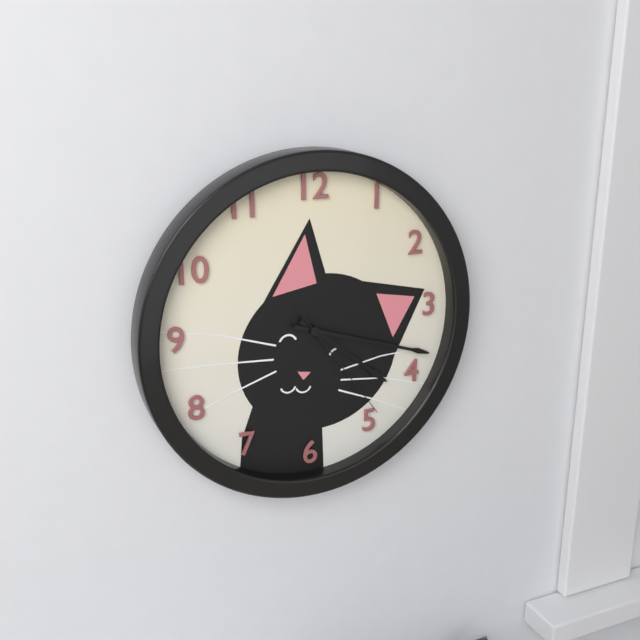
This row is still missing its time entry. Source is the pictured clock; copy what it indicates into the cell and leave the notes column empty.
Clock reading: 4:18:24
